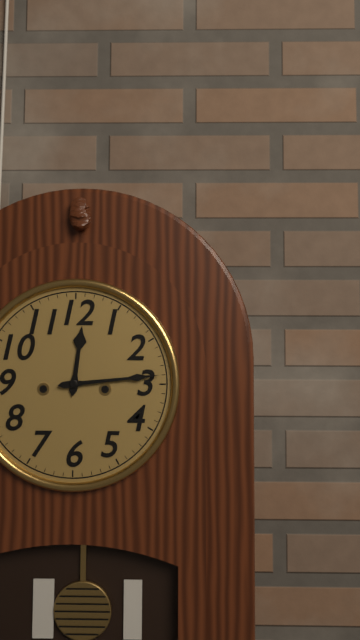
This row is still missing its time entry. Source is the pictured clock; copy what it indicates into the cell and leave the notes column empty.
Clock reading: 12:14
